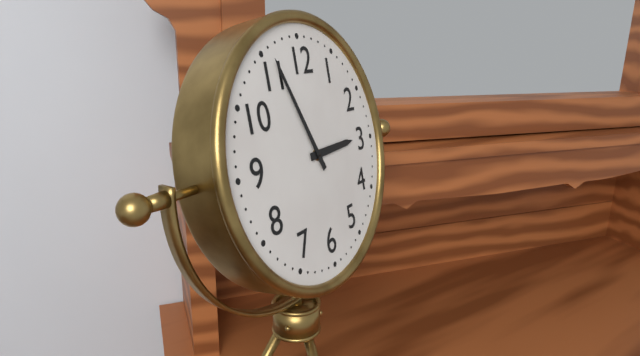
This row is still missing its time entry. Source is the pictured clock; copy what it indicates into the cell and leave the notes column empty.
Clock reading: 2:56
